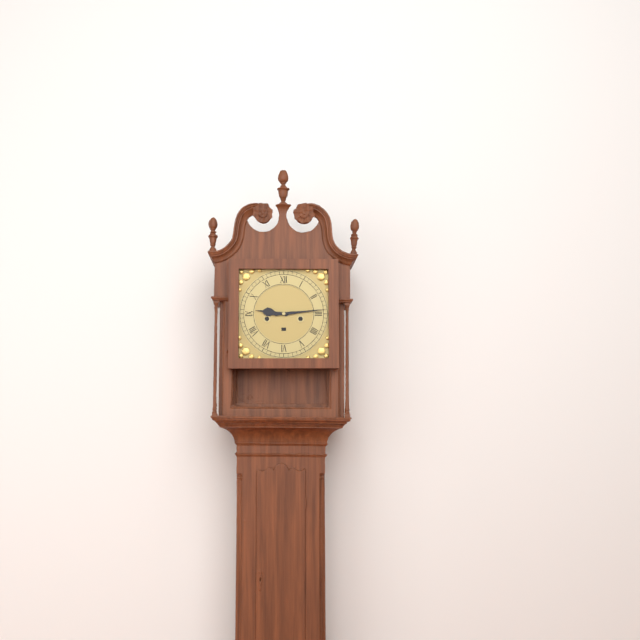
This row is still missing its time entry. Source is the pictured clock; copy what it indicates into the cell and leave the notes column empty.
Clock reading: 9:14
